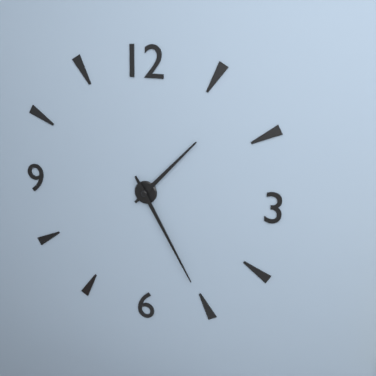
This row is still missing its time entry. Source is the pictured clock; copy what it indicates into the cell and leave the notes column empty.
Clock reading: 1:25
